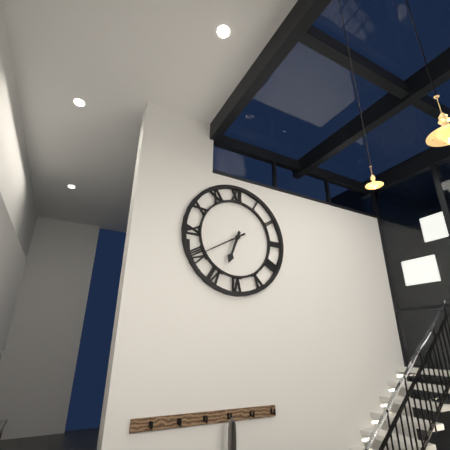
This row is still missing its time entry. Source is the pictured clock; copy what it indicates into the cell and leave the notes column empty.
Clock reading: 6:40
